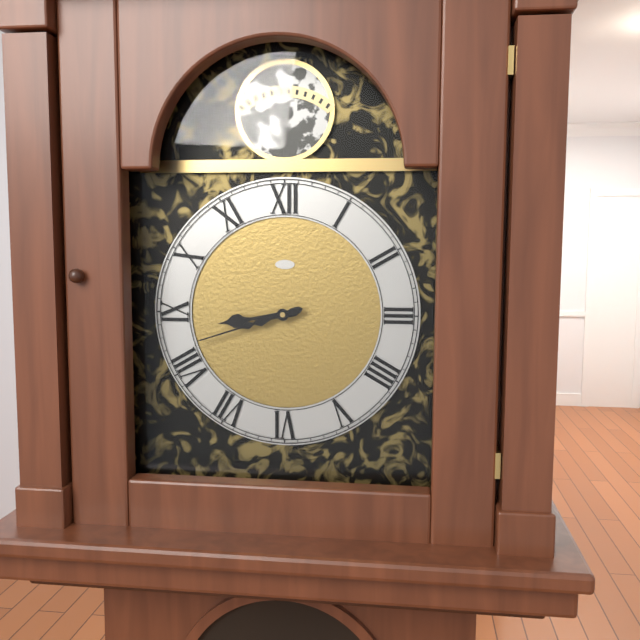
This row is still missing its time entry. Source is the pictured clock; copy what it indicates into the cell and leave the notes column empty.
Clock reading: 8:42
